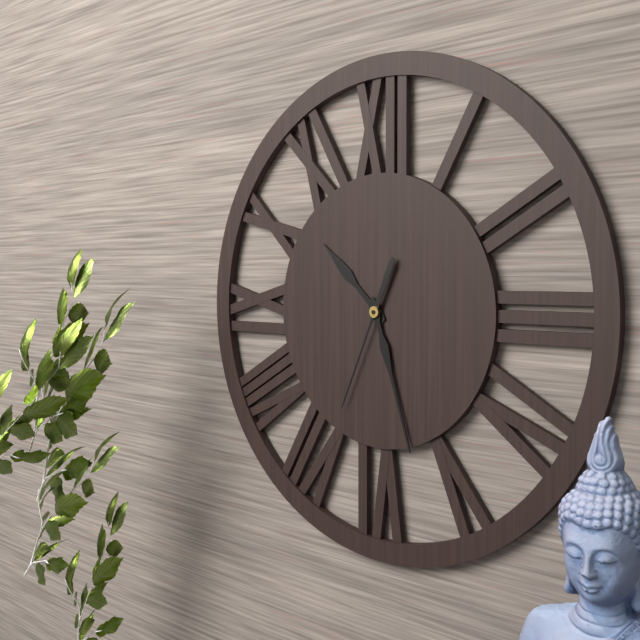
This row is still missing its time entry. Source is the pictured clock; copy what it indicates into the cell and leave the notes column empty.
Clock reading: 10:27:34
